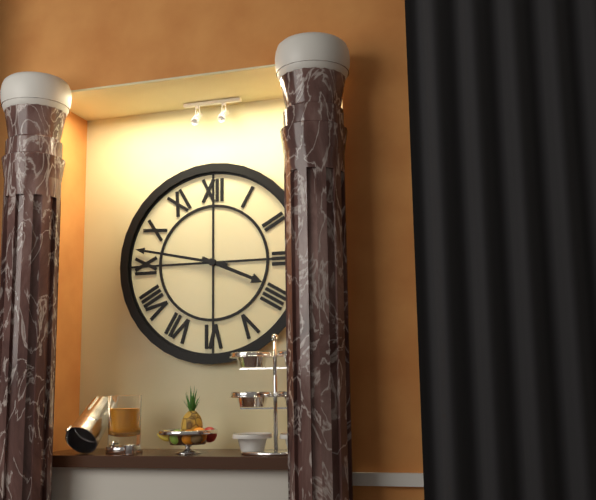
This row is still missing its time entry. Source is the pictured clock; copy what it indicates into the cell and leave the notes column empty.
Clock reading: 3:47
